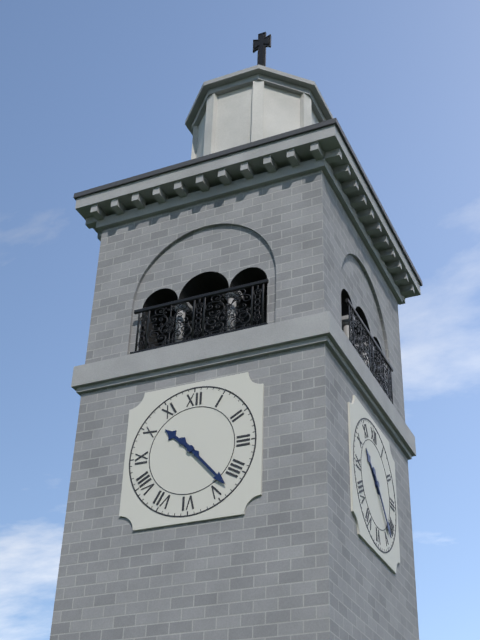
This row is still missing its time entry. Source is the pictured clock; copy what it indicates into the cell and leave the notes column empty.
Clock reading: 10:23
